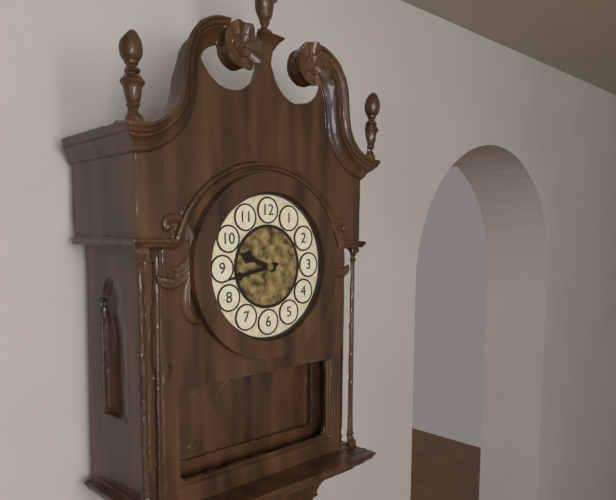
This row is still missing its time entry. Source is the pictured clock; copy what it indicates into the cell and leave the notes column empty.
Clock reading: 9:43
